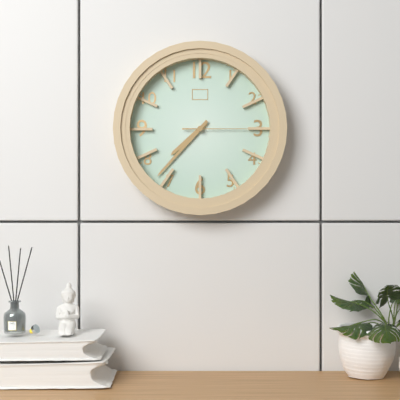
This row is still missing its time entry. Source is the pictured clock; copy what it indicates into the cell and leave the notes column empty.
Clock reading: 7:37
